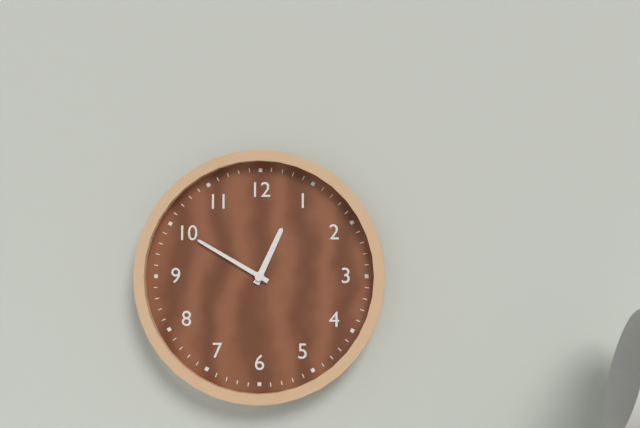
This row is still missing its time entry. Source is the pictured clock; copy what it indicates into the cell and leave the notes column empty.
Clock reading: 12:50
